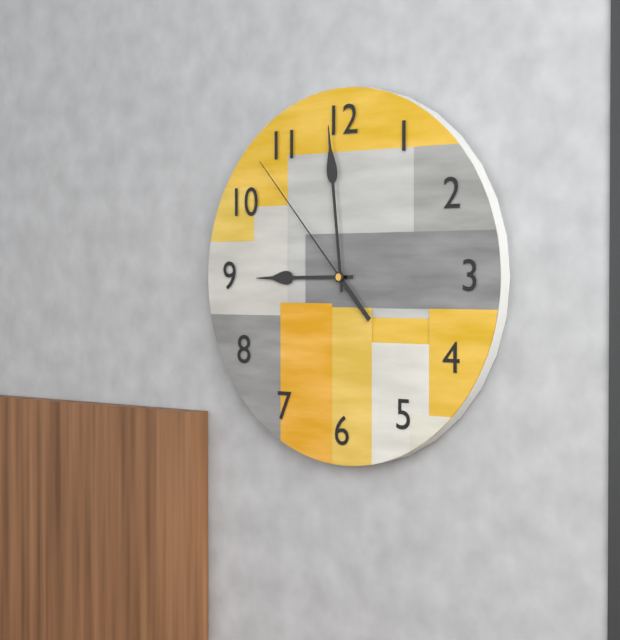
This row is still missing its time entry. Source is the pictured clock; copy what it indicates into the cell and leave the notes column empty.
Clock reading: 8:59:53
